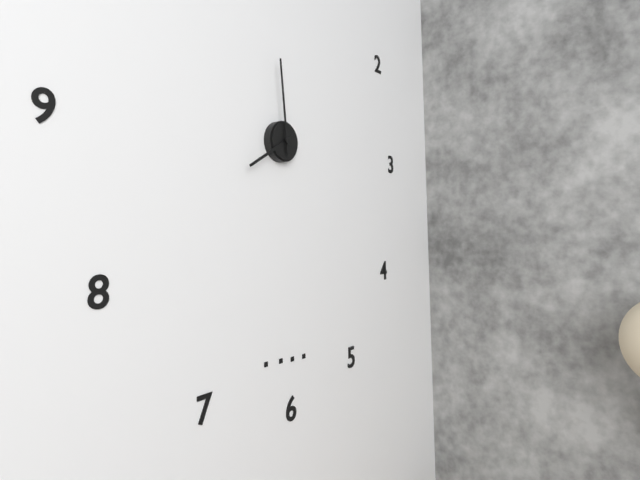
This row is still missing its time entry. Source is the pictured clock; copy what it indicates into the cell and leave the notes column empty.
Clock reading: 7:59
